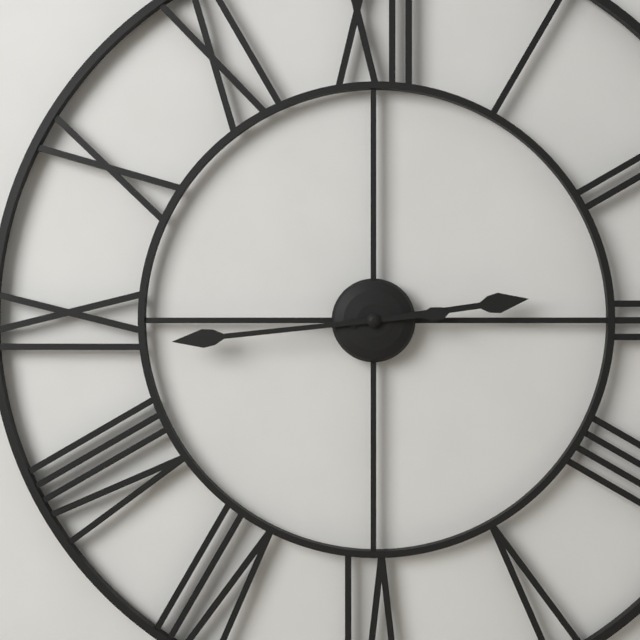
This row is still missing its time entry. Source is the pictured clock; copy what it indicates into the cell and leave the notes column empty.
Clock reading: 2:44
